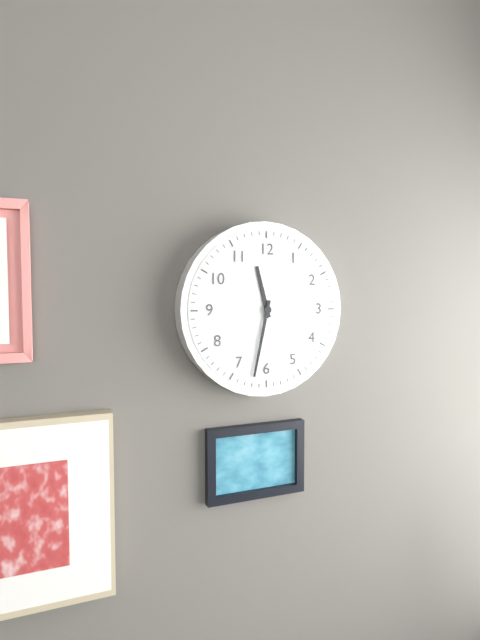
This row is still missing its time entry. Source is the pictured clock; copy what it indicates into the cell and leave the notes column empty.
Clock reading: 11:32
